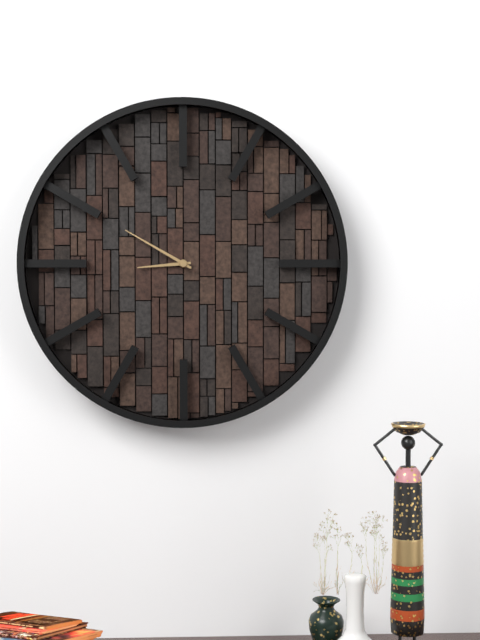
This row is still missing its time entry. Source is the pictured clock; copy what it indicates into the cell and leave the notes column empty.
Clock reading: 8:50
